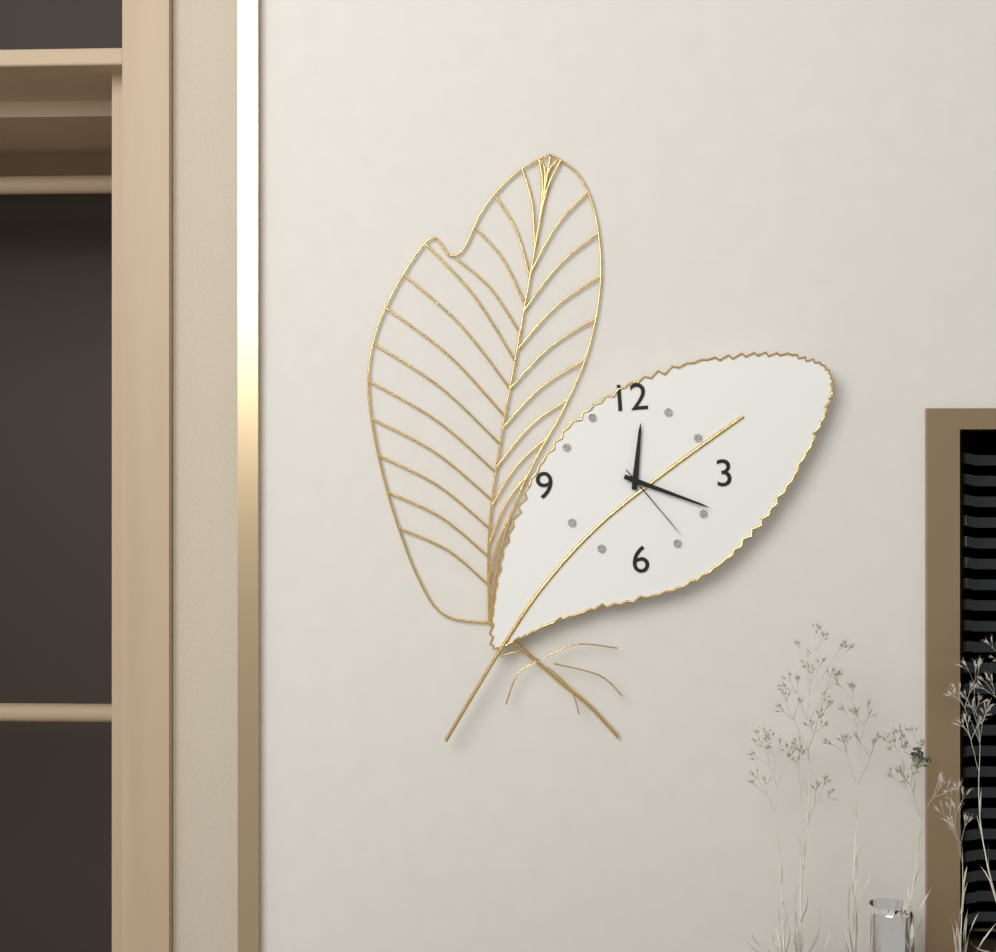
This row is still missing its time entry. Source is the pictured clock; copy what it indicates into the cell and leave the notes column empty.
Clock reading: 12:19:24
